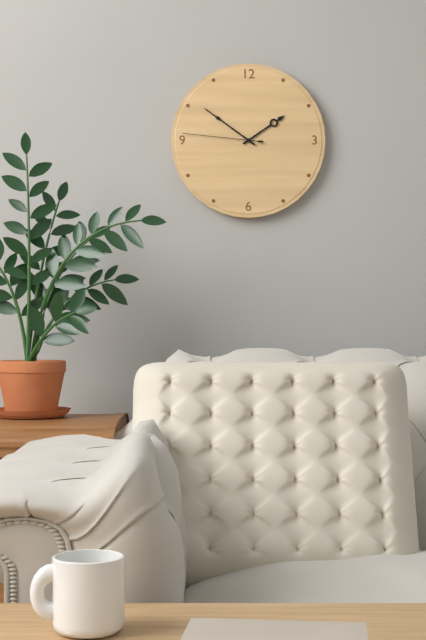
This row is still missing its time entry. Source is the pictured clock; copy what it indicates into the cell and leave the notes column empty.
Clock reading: 1:51:46
